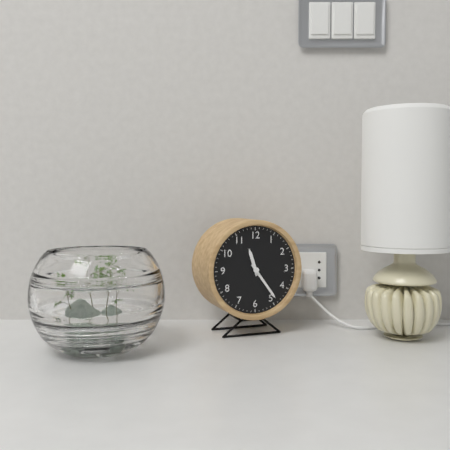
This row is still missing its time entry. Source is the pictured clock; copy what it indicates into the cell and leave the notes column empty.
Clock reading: 11:24
